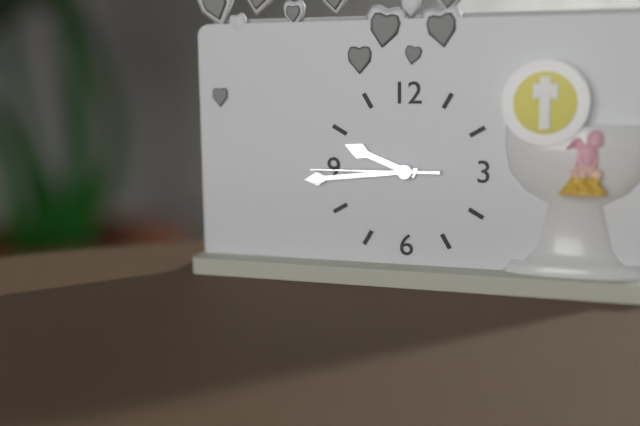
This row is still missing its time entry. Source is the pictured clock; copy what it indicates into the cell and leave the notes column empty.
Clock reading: 9:44:45
